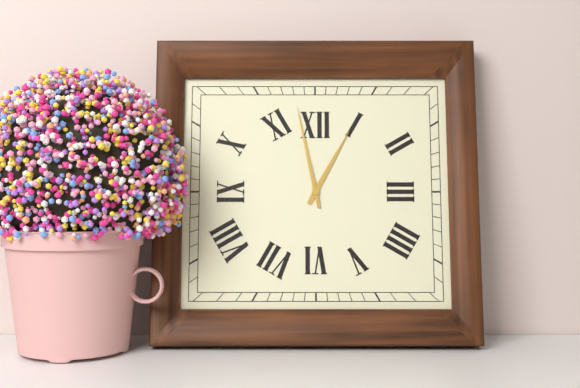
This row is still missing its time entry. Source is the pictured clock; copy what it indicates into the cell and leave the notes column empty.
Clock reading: 12:58
